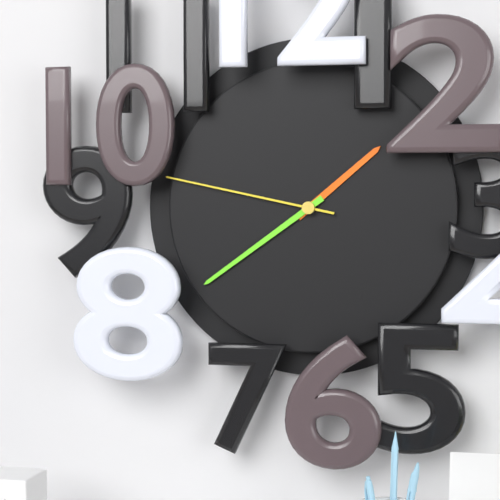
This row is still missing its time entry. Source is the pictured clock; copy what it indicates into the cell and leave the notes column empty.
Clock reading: 1:39:47
